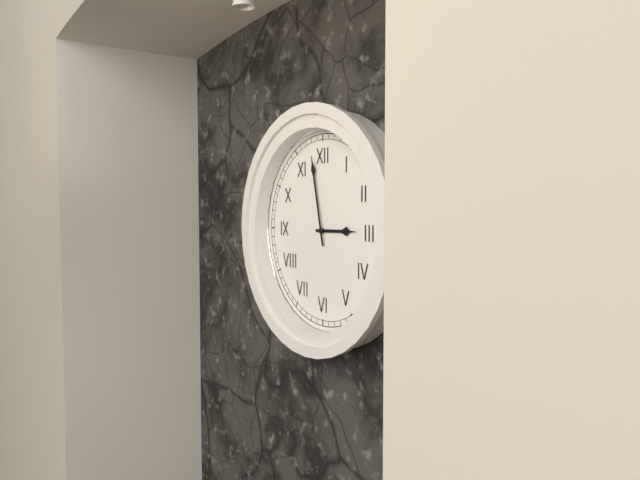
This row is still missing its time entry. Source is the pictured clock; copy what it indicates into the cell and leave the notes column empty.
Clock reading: 2:58
